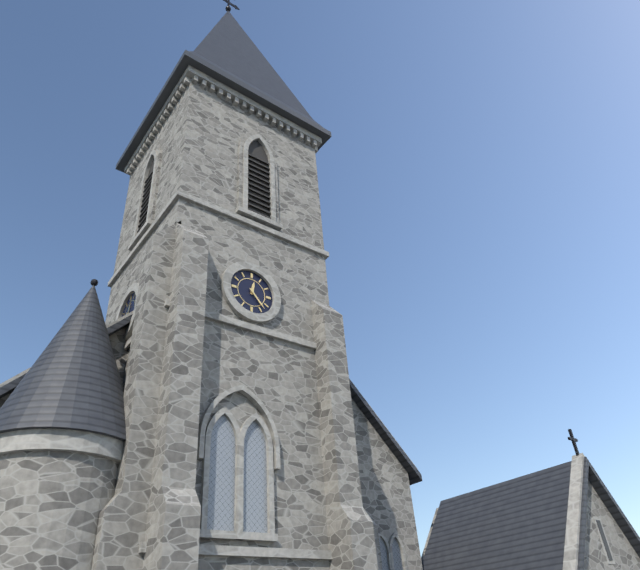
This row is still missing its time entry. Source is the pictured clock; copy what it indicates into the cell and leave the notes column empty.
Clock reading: 12:23
